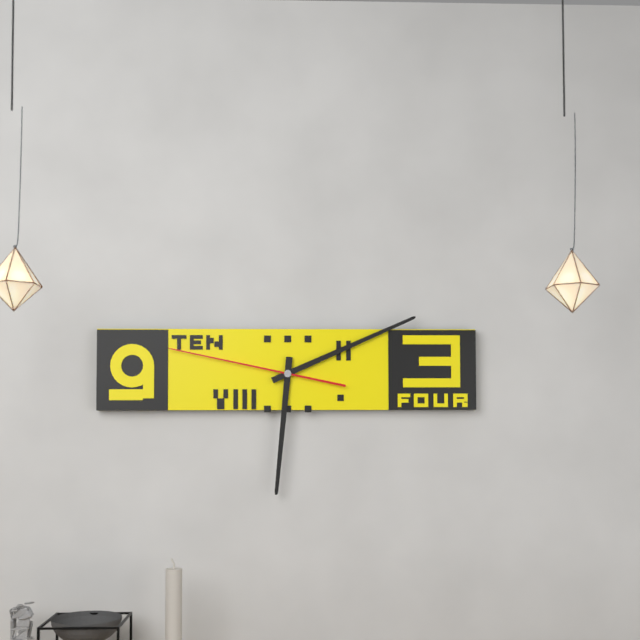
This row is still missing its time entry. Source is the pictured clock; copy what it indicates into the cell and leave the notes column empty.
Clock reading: 6:11:47
